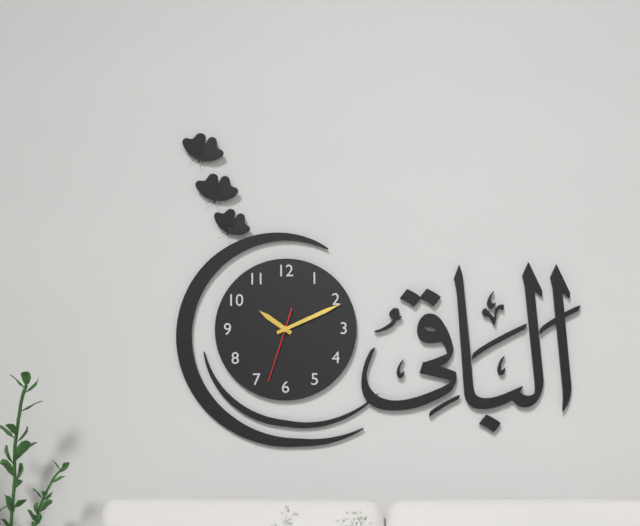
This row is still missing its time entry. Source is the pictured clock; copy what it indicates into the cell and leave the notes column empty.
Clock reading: 10:11:33
